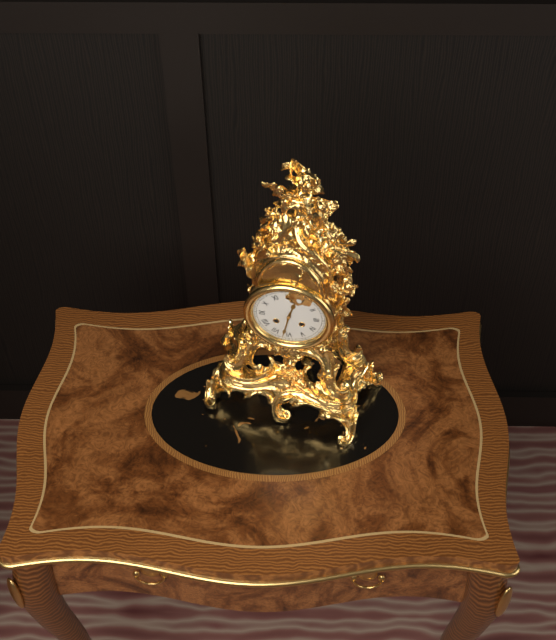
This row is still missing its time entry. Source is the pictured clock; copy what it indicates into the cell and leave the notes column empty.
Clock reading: 12:32
